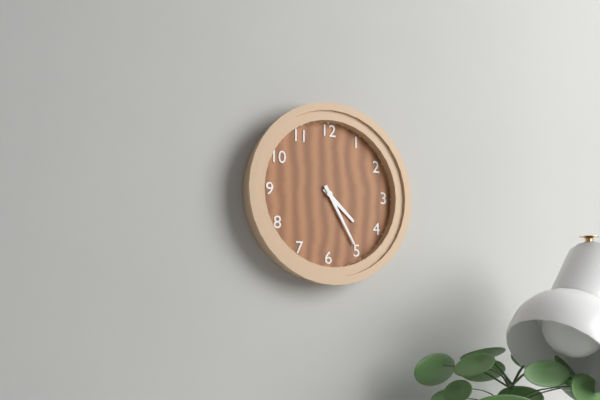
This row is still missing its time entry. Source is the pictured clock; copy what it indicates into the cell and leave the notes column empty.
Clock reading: 4:25
